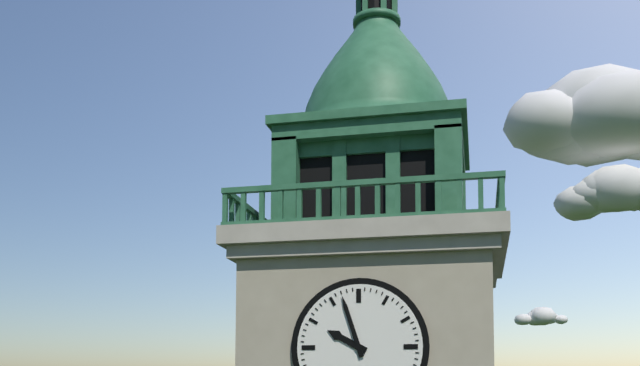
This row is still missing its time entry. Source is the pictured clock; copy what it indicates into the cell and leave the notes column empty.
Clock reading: 9:57
